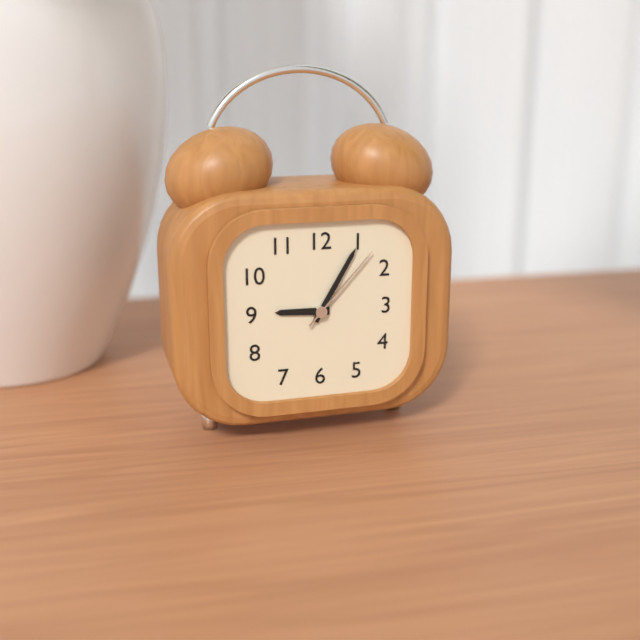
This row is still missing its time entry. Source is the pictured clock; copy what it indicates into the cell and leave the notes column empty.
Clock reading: 9:05:07
